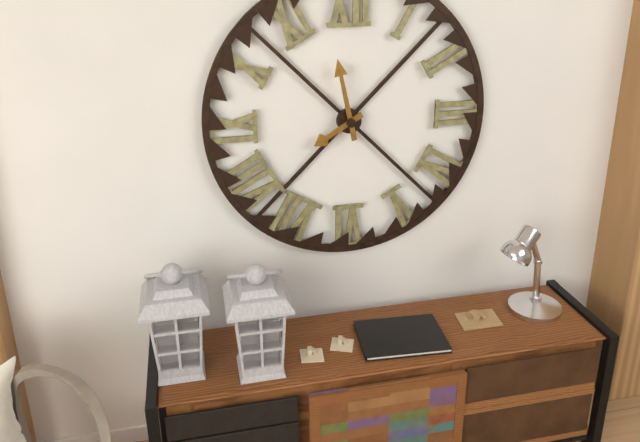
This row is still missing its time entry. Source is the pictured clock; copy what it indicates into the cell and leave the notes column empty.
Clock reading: 7:58
